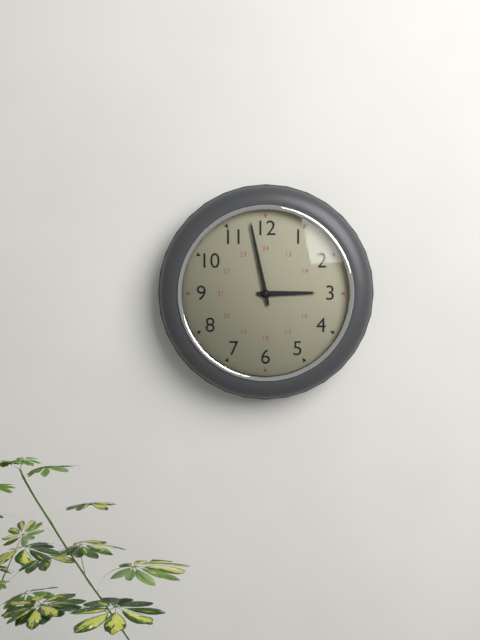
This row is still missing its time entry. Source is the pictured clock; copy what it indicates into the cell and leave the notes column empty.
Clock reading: 2:58
